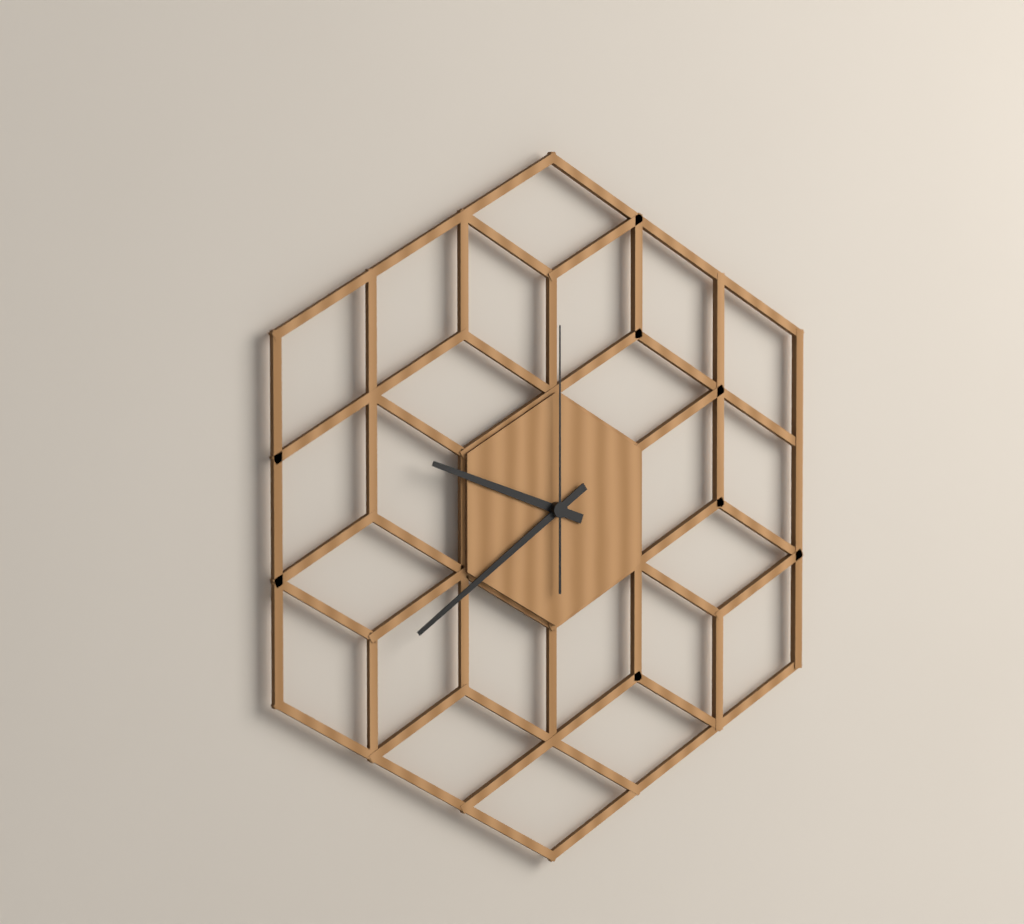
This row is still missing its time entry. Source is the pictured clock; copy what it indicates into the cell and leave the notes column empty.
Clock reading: 9:39:00
